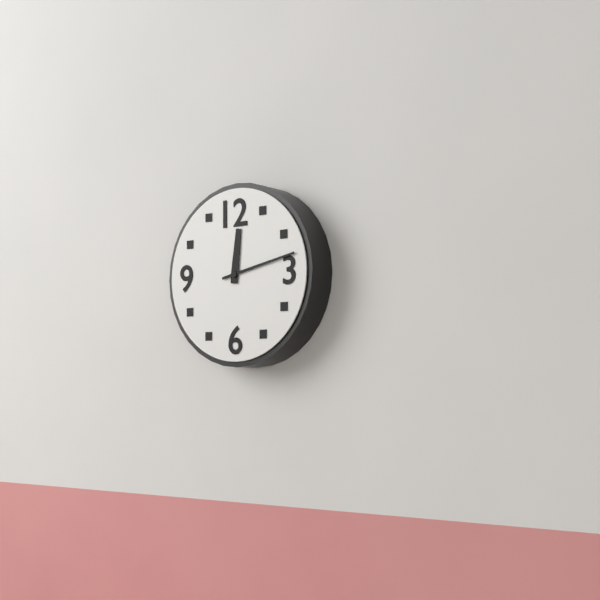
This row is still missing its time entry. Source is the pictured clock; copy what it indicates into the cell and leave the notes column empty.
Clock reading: 12:13
